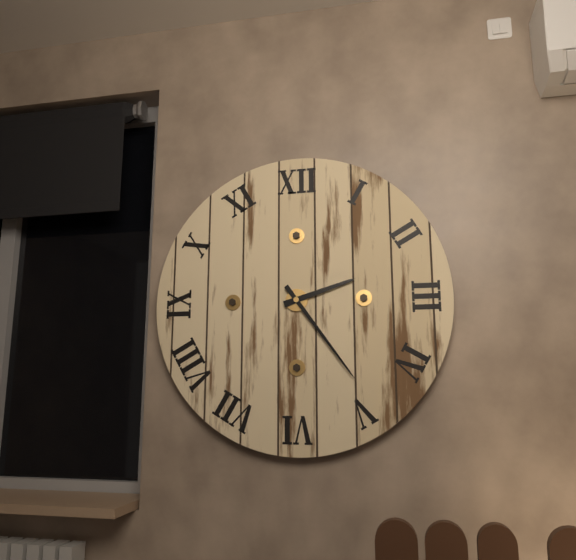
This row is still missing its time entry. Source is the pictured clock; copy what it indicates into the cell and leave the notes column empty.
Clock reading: 2:24
